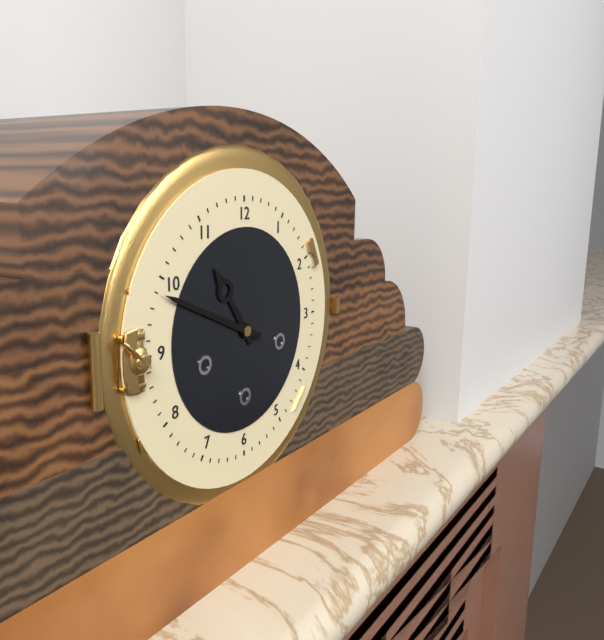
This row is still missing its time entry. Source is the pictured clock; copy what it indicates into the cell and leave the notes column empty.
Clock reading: 10:49
